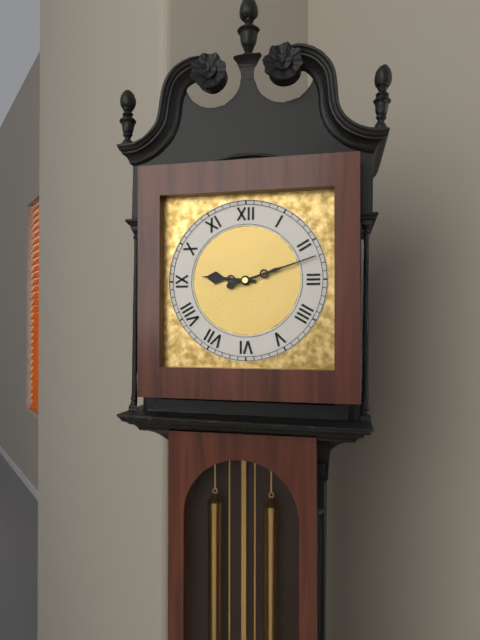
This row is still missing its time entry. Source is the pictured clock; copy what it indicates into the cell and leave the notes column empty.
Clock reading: 9:12
